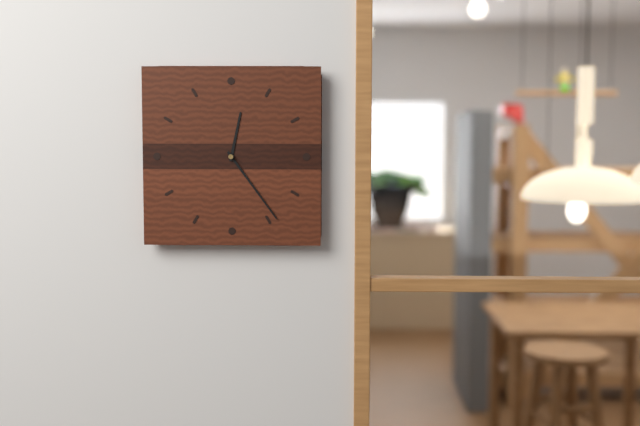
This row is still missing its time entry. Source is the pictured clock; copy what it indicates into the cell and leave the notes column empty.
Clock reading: 12:24
